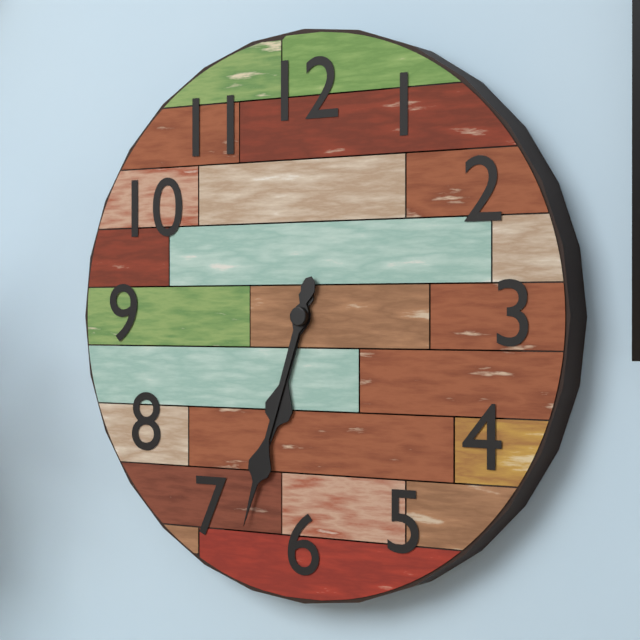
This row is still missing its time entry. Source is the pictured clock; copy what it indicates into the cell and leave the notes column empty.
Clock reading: 6:33
